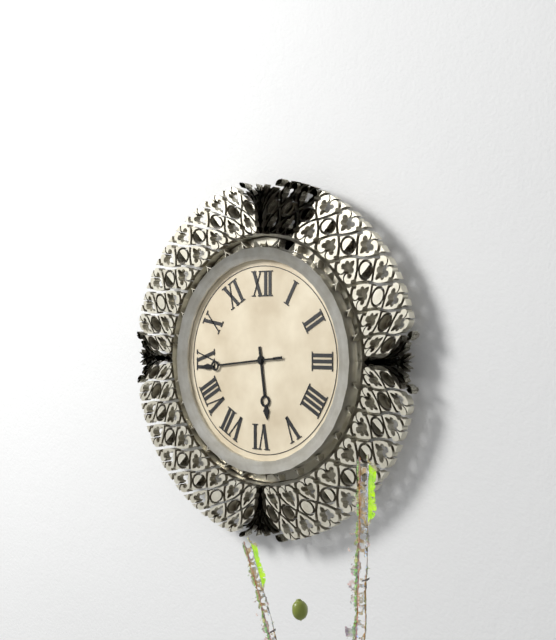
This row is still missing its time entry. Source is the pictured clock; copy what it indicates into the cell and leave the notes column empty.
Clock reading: 5:44
